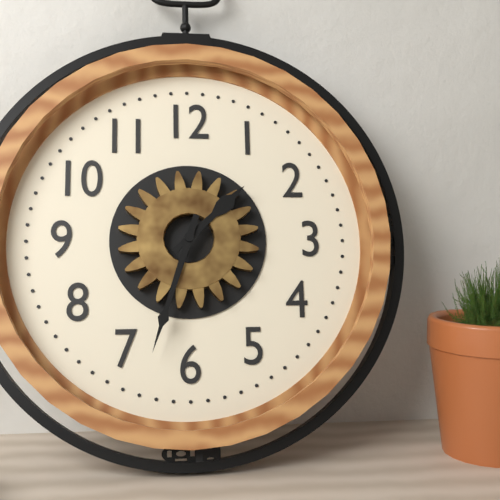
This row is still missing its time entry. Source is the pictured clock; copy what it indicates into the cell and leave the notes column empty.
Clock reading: 1:33
